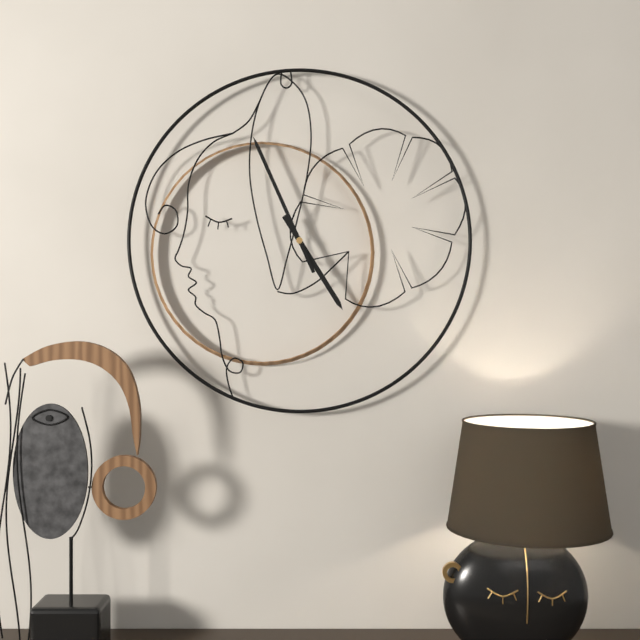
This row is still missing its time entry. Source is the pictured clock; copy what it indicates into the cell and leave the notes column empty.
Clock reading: 4:56
